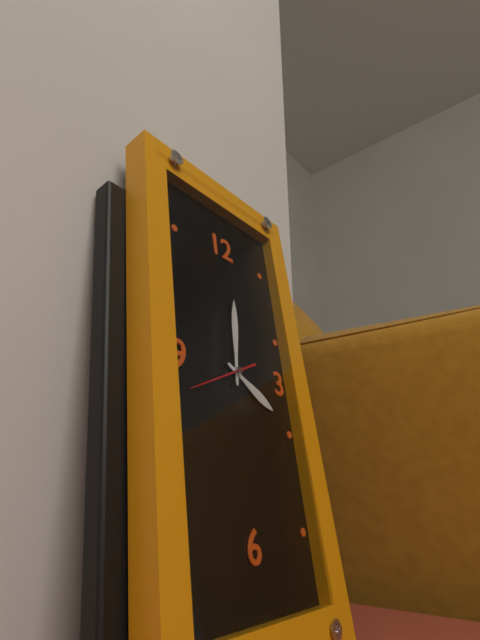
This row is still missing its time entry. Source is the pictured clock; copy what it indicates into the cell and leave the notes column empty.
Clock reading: 4:01:41
